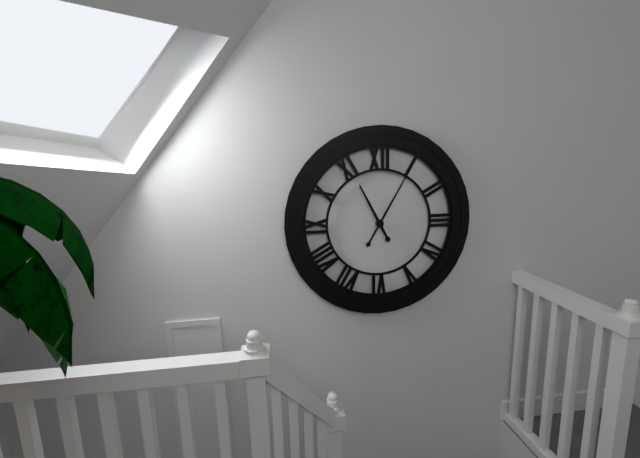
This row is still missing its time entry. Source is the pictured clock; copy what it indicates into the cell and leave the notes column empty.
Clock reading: 11:05
